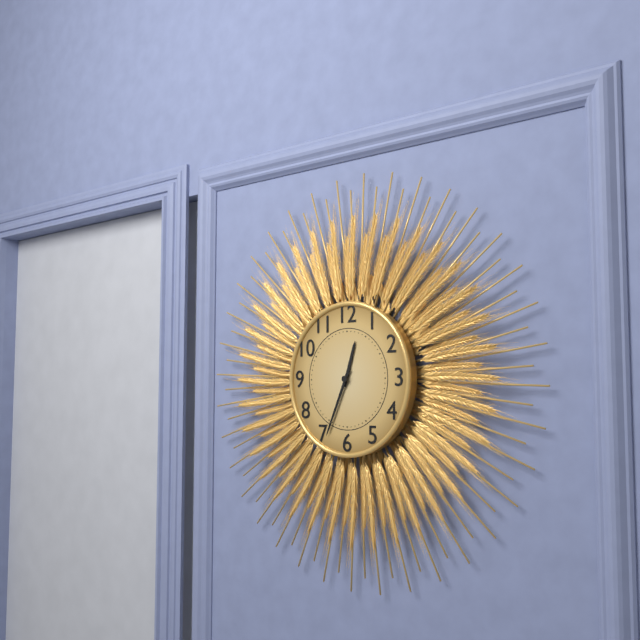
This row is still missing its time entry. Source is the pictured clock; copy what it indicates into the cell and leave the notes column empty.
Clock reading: 12:34
